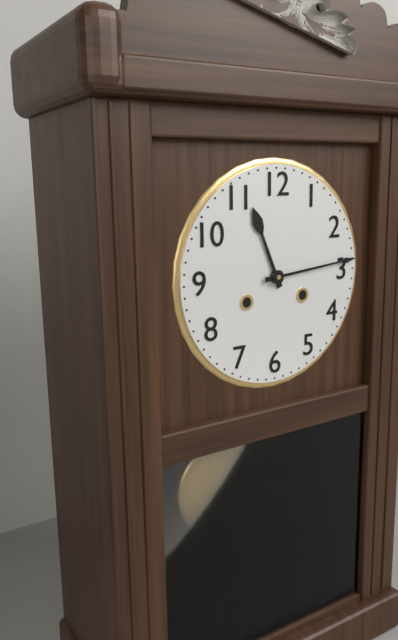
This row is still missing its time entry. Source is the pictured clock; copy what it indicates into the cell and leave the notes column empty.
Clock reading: 11:14
